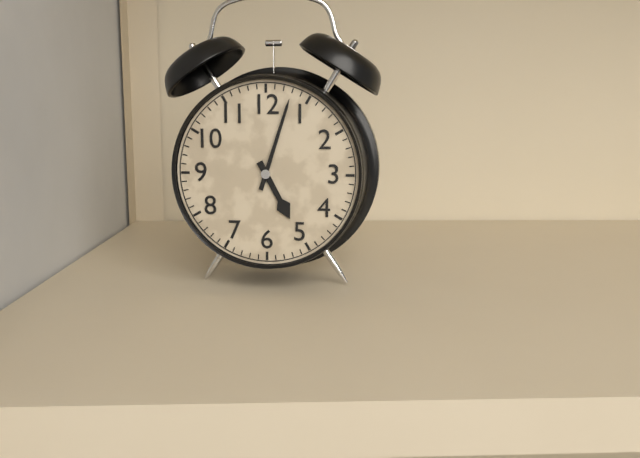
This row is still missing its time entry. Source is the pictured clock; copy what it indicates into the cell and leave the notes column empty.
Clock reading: 5:03
